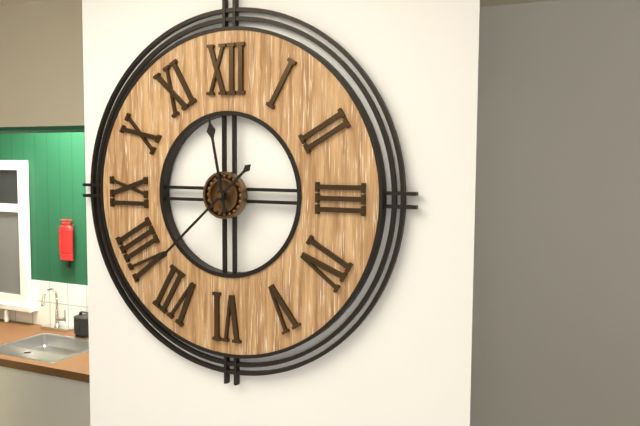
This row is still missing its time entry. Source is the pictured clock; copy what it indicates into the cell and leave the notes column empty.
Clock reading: 11:38
